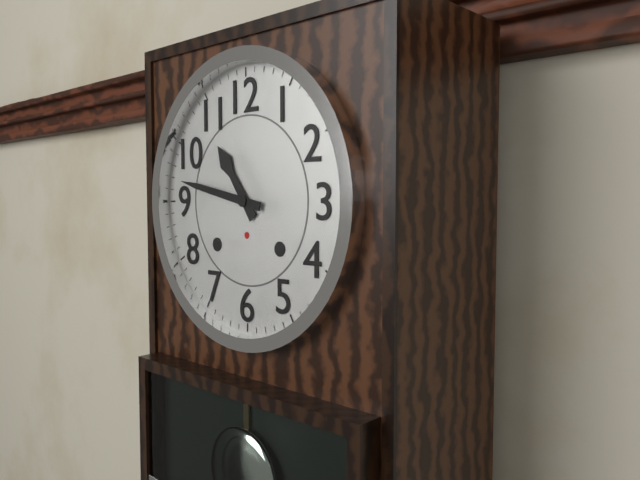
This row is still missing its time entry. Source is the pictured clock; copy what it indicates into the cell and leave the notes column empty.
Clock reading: 10:47
